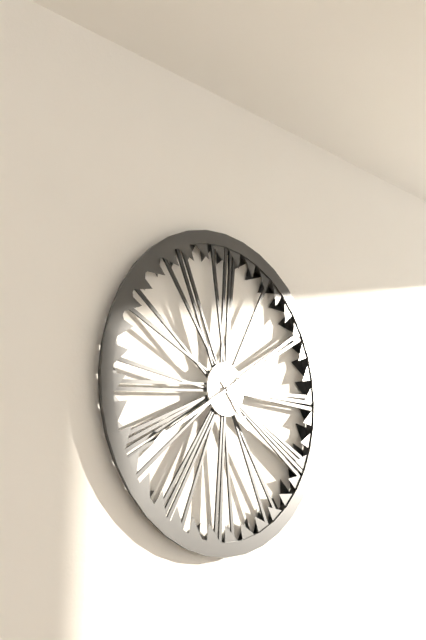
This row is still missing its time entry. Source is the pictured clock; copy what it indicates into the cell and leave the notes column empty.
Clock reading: 4:40
